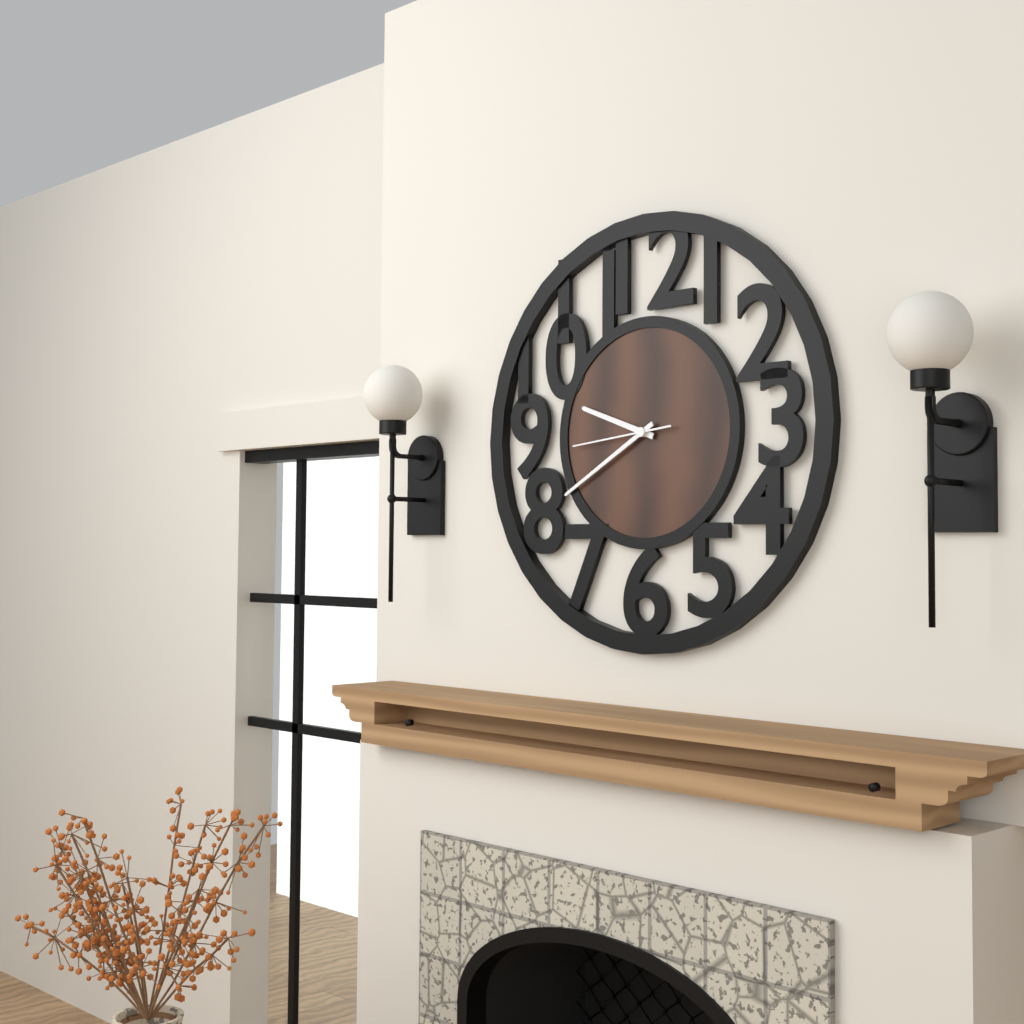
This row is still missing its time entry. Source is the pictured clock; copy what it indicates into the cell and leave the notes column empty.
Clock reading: 9:40:44
